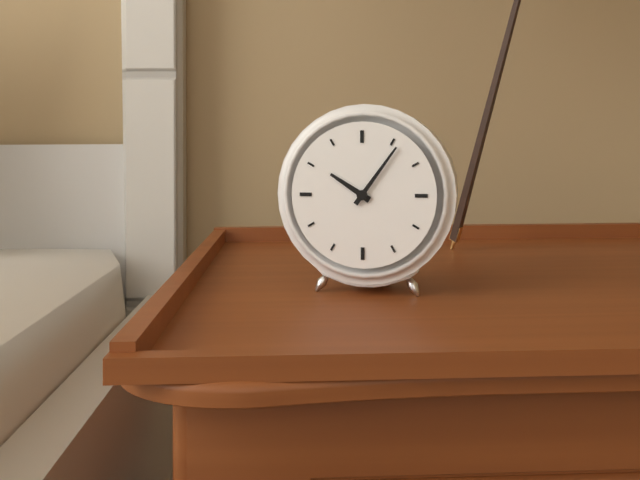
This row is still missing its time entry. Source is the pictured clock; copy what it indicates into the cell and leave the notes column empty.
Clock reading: 10:06
